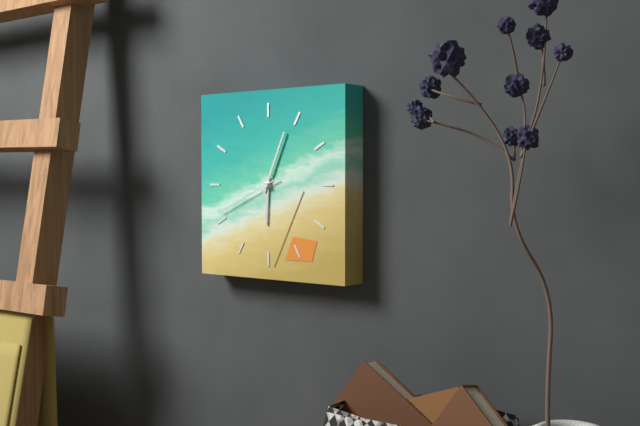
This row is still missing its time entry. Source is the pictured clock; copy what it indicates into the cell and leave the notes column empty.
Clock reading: 6:04:41
